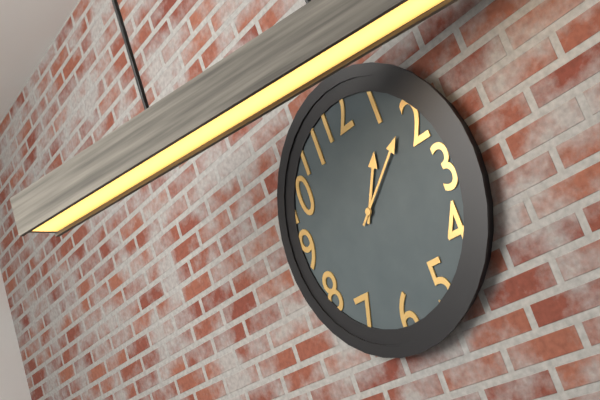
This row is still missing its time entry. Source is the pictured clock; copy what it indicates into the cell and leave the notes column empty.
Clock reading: 1:09
